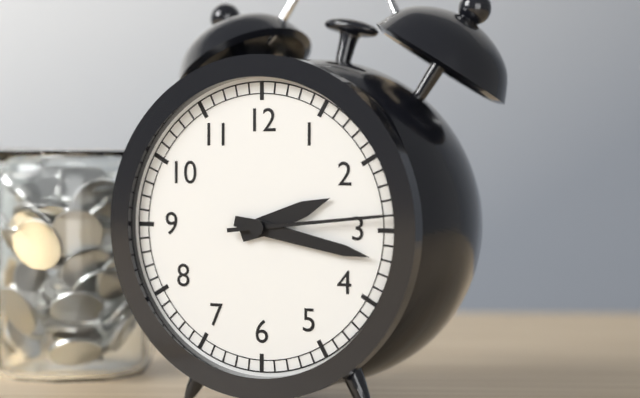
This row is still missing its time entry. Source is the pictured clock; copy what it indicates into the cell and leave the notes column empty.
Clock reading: 2:17:14
